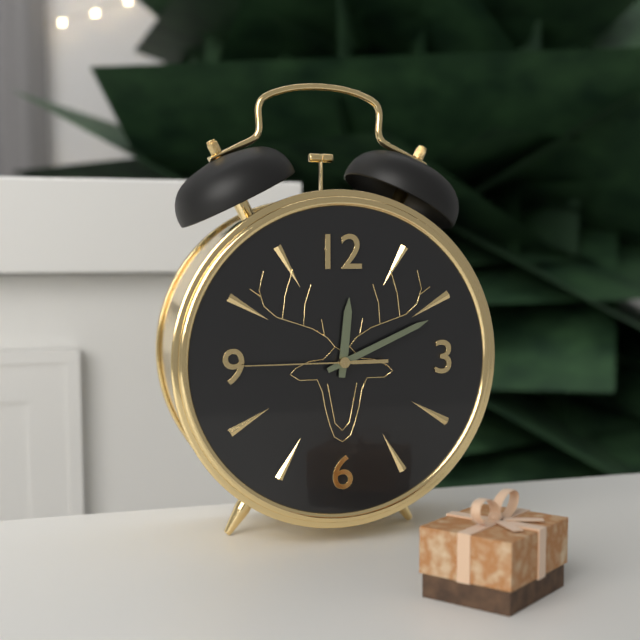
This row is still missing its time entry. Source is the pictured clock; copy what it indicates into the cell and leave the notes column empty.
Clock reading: 12:11:45
